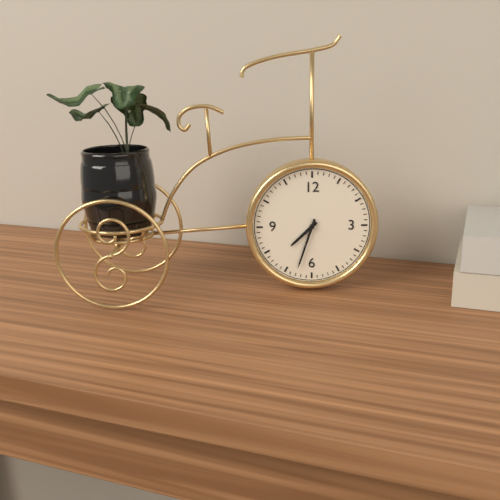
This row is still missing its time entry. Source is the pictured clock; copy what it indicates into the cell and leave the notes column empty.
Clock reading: 7:33
